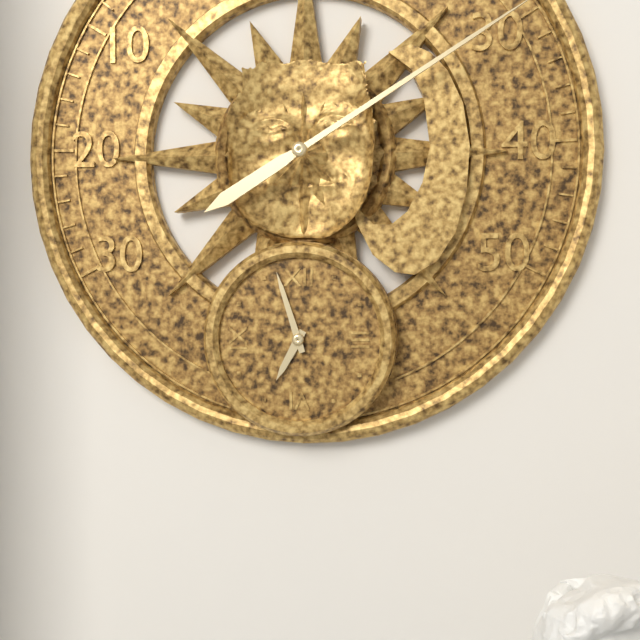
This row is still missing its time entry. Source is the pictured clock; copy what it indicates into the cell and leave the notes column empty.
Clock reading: 6:57
